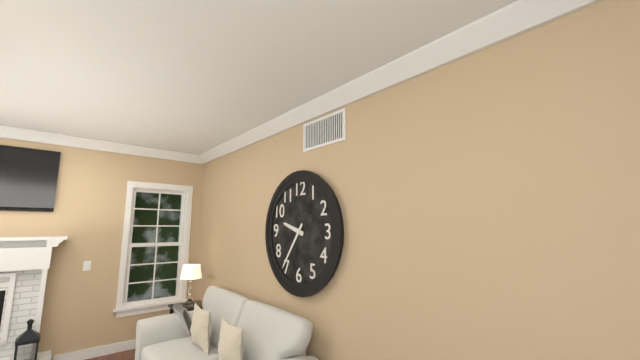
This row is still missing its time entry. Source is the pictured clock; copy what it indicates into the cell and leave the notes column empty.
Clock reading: 9:36
